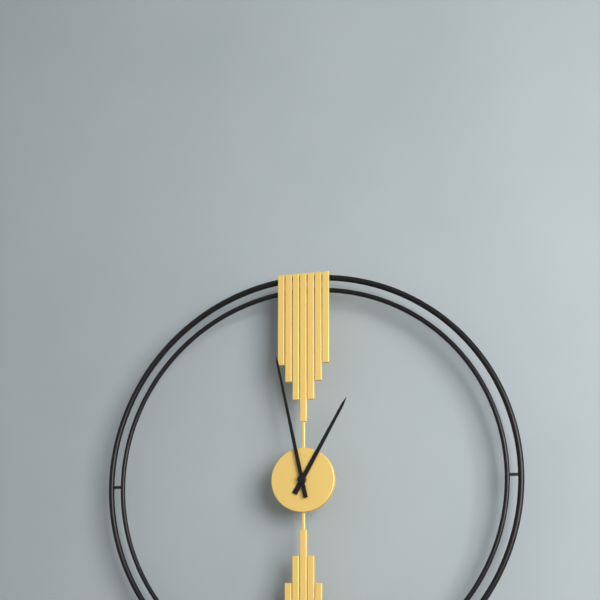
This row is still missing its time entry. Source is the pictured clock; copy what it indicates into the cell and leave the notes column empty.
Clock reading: 12:58
